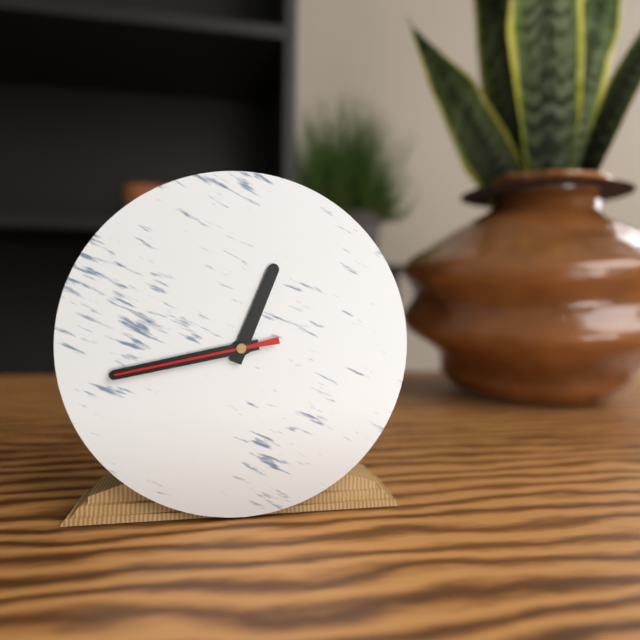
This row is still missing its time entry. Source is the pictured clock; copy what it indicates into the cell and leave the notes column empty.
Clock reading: 12:43:43
